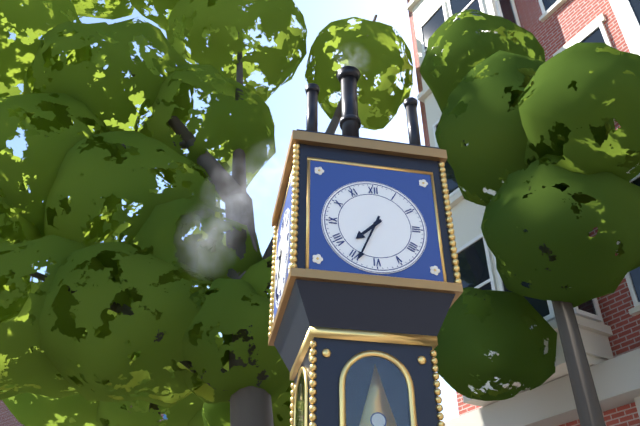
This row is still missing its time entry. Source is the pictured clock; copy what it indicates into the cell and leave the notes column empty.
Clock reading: 7:34
